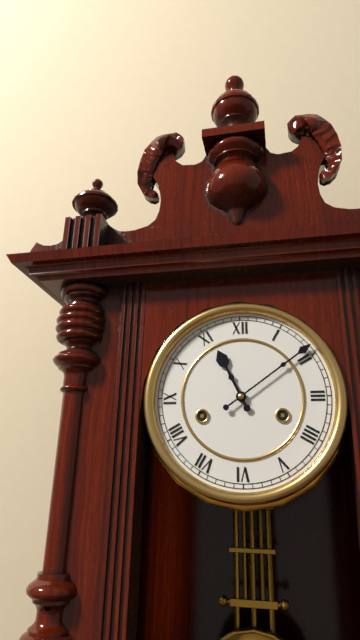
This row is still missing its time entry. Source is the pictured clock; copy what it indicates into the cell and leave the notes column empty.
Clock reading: 11:09
